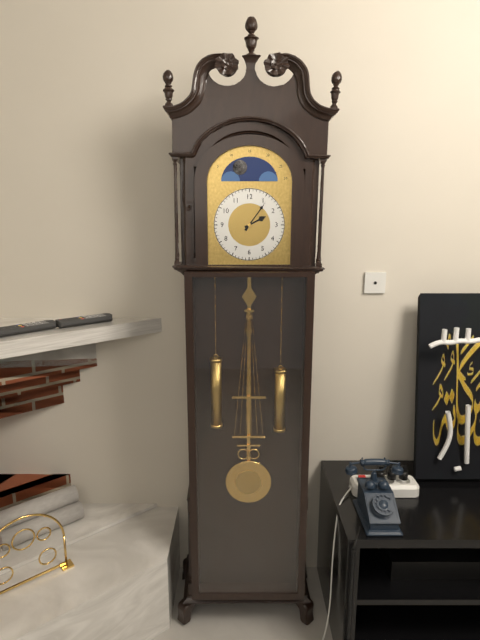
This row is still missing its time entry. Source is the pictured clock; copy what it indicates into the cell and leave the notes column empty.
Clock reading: 2:06
